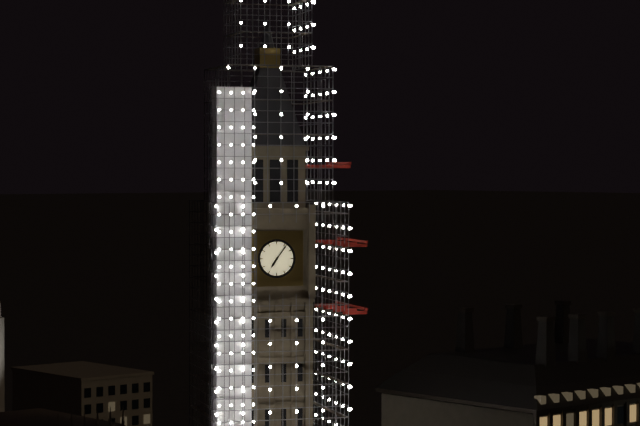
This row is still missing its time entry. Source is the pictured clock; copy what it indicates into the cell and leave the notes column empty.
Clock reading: 7:06
